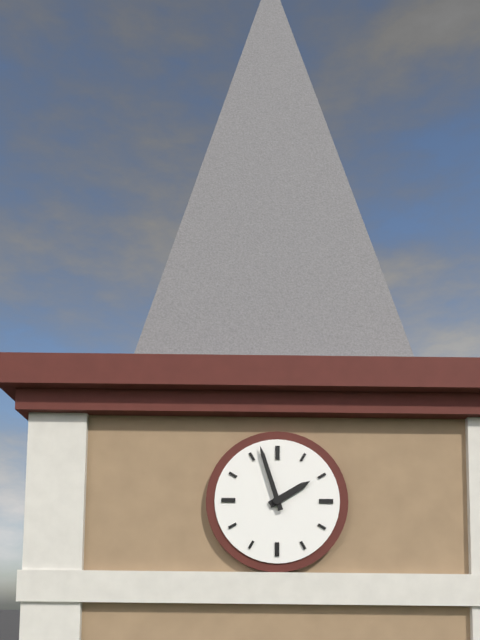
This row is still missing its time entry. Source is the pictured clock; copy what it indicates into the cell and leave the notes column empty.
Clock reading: 1:57
